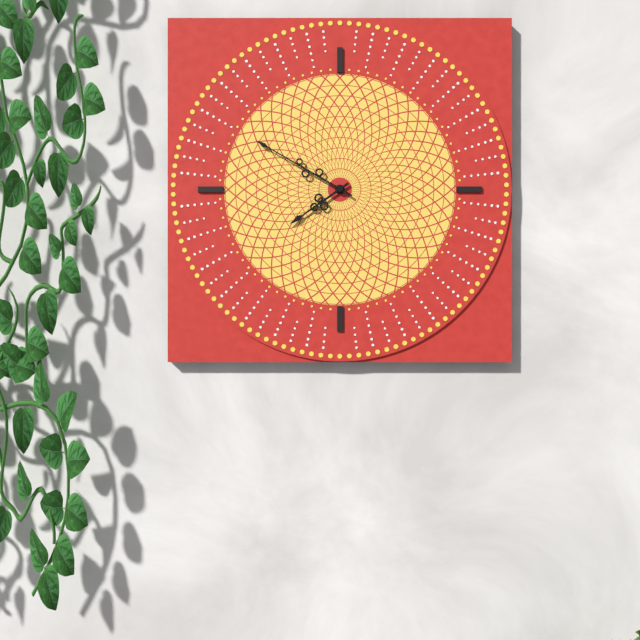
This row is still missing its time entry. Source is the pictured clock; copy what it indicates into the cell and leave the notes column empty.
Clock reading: 7:50
